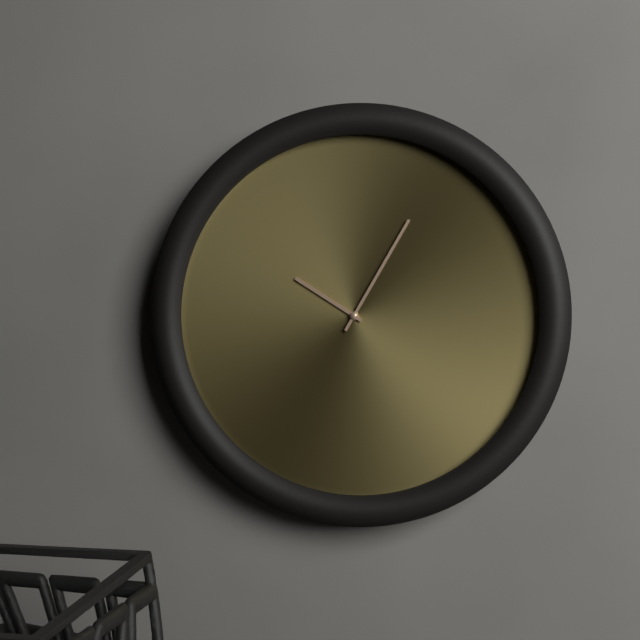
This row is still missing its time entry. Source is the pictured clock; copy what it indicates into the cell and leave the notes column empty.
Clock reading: 10:05
